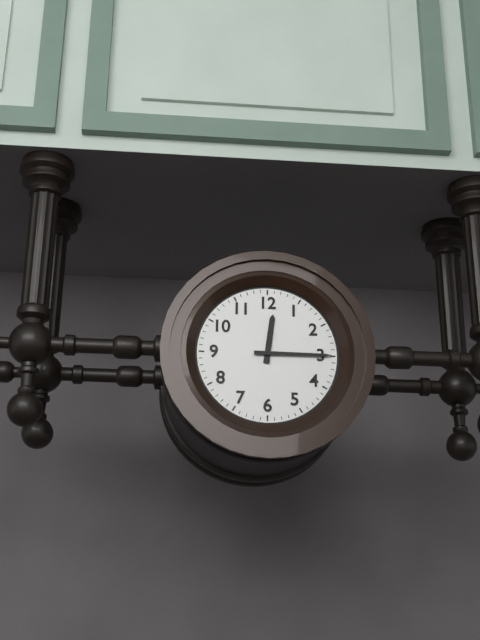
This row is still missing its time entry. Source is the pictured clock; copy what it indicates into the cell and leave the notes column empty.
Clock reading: 12:15
